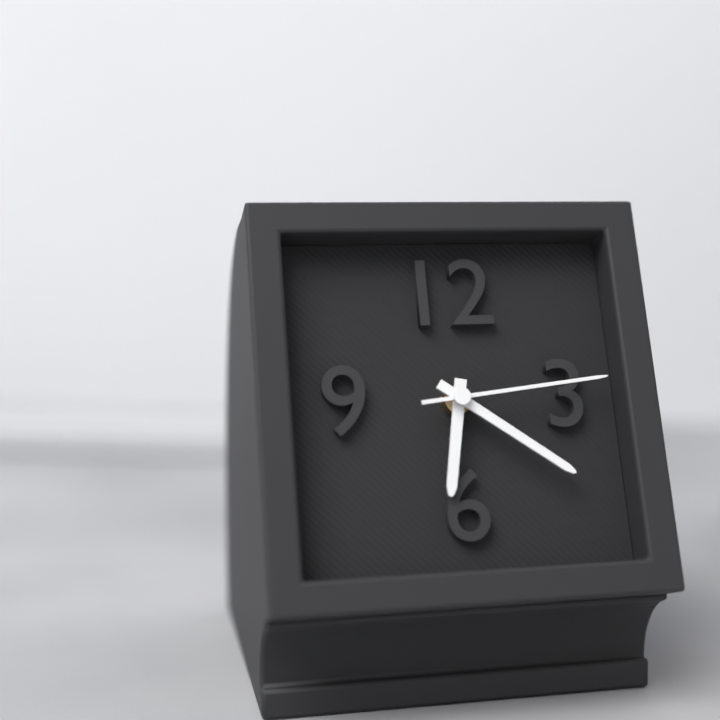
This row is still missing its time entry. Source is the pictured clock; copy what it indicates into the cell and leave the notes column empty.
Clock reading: 6:21:14
